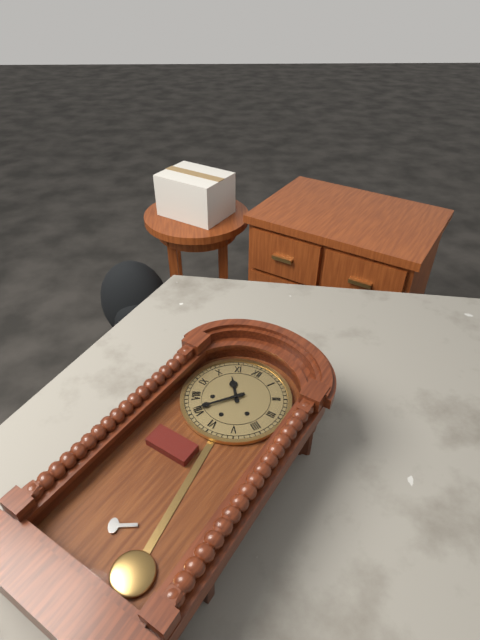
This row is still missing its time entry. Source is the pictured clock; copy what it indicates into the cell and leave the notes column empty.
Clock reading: 10:36
